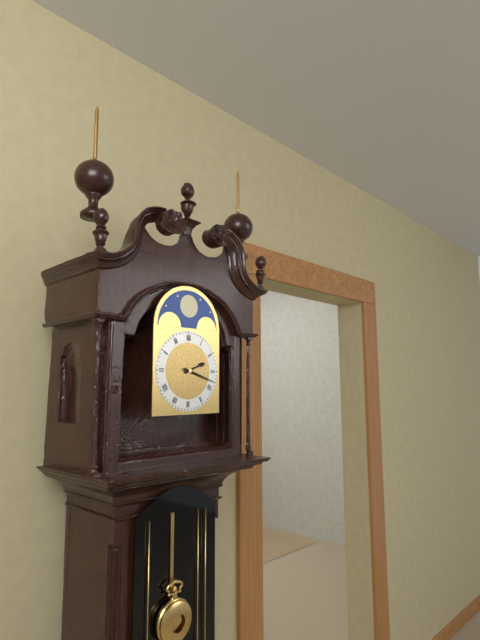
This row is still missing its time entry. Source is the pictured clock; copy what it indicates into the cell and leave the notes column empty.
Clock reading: 2:18
